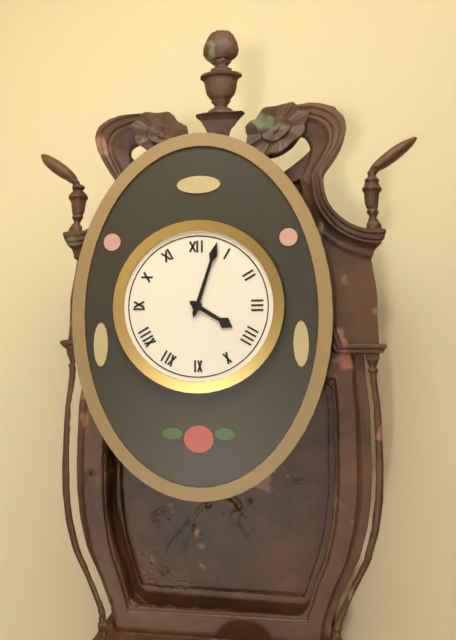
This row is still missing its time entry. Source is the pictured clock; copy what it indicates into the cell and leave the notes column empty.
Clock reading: 4:03
